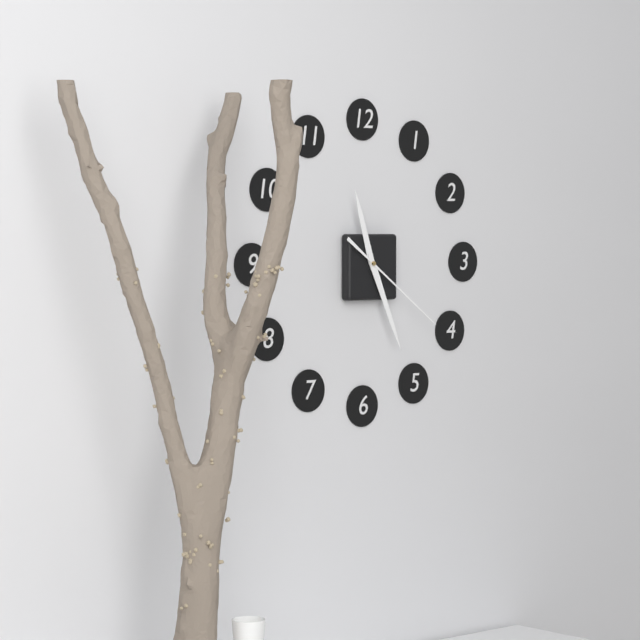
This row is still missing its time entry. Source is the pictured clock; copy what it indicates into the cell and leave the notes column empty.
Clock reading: 11:26:21
